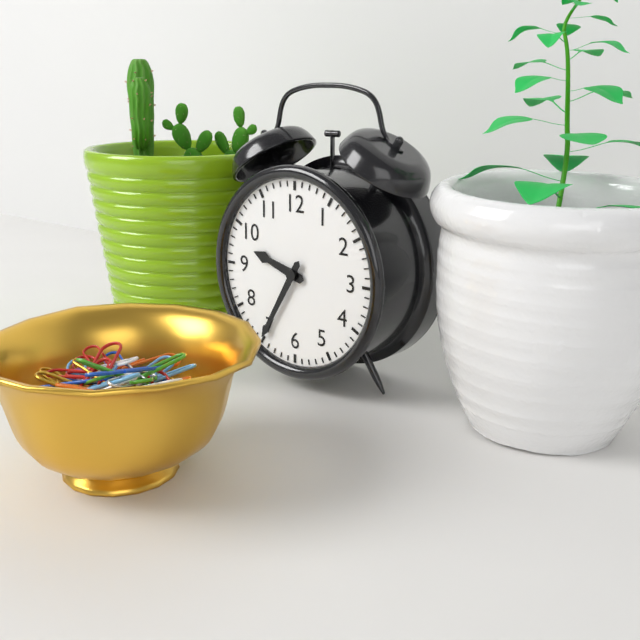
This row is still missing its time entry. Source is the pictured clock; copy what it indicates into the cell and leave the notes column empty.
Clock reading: 9:35
